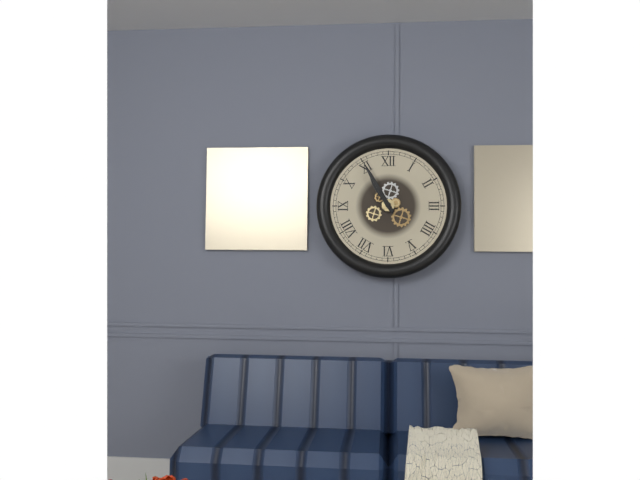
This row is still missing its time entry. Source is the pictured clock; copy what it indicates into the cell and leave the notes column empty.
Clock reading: 10:55
